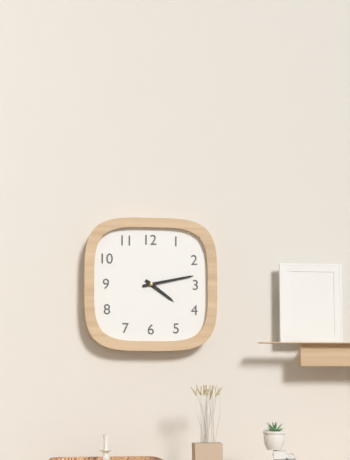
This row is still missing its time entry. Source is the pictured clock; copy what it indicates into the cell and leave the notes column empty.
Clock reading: 4:13
